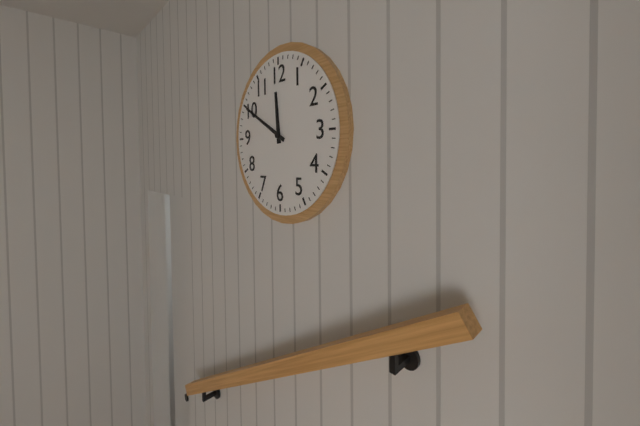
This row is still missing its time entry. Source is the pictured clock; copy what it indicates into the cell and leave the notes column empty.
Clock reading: 11:50
